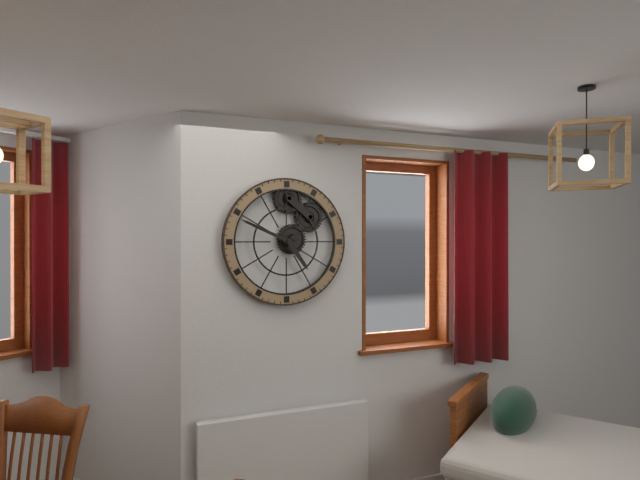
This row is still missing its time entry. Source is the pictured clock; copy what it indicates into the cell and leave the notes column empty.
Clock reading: 4:49
